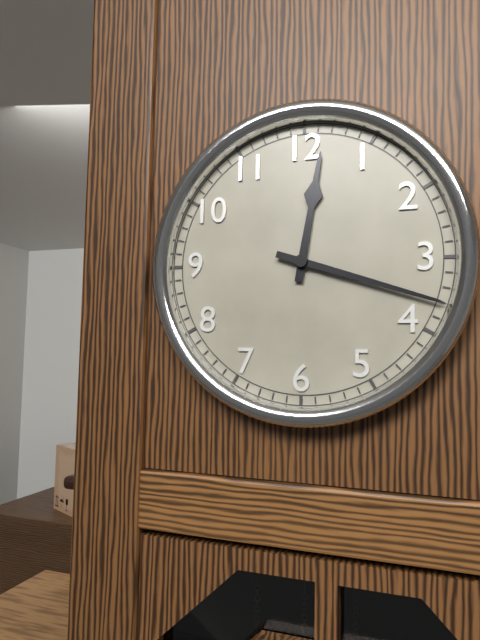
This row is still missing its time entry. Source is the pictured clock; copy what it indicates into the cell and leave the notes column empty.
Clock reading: 12:18
